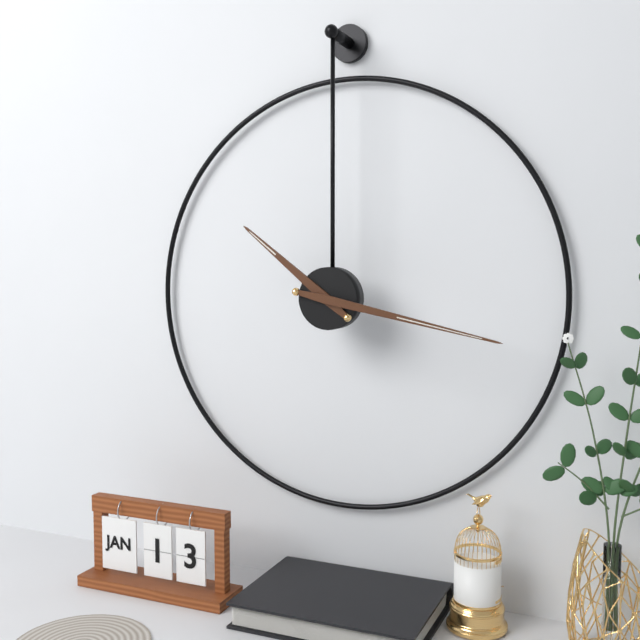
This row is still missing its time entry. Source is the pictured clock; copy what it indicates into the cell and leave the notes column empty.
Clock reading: 10:17
